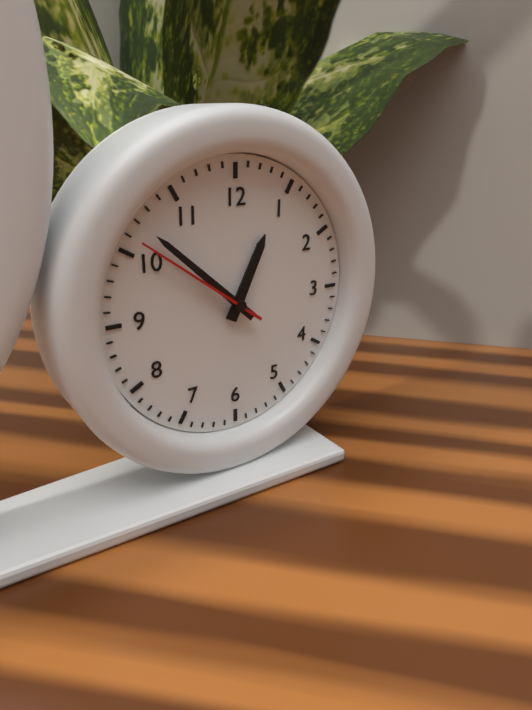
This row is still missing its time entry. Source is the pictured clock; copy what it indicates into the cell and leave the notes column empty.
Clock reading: 12:52:51
